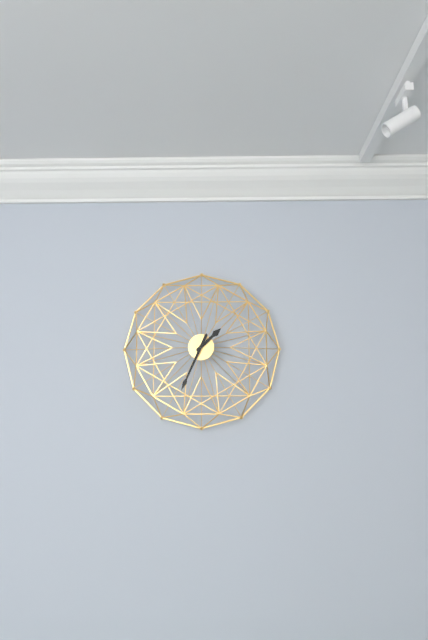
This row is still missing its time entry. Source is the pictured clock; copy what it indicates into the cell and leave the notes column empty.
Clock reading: 1:34
